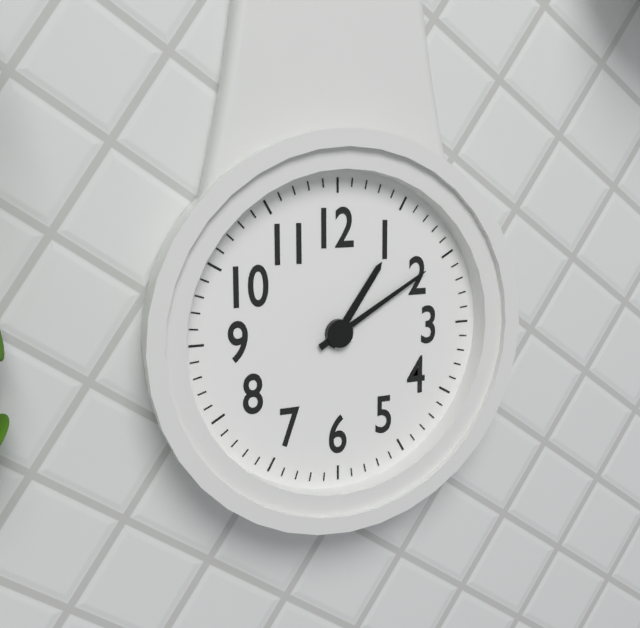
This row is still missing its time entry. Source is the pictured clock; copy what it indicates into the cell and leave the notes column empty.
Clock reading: 1:10
